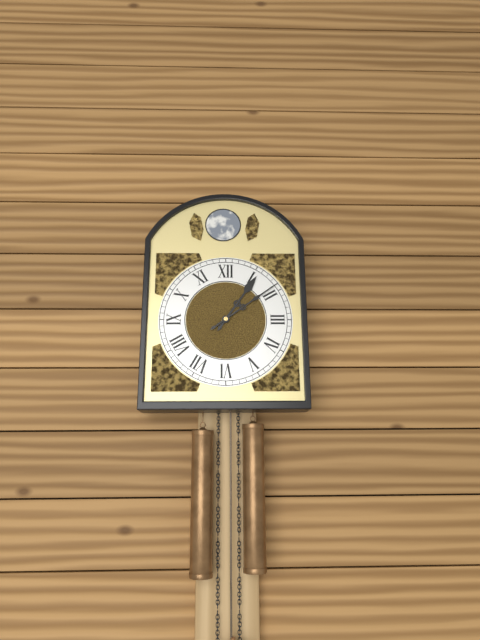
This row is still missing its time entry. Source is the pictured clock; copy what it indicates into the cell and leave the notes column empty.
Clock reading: 1:09
